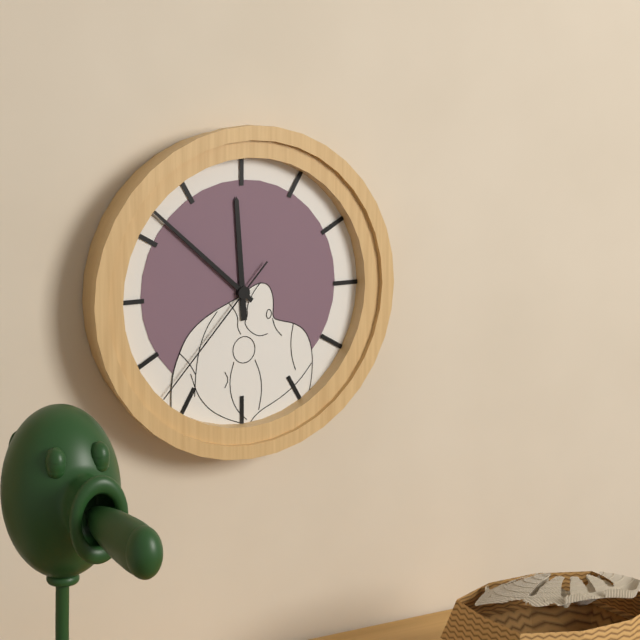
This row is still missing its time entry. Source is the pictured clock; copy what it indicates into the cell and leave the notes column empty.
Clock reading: 11:52:37
